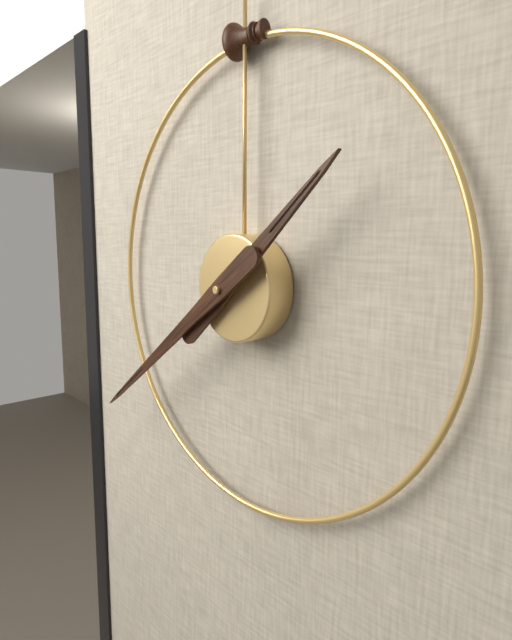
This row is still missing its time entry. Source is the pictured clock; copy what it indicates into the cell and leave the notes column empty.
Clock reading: 1:39
